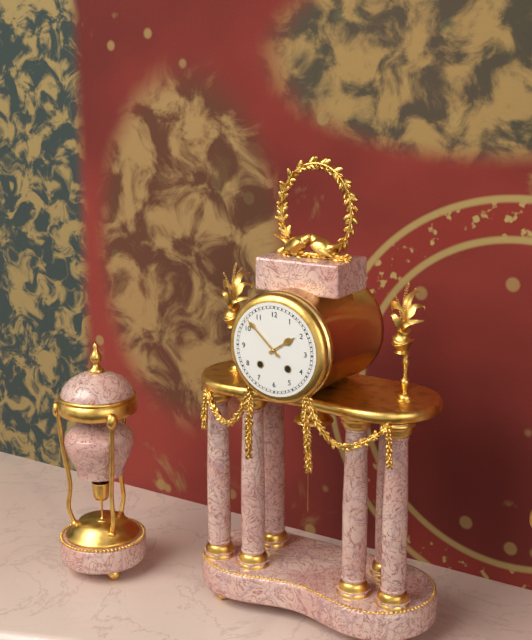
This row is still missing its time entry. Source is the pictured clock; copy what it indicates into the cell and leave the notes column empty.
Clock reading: 1:52
